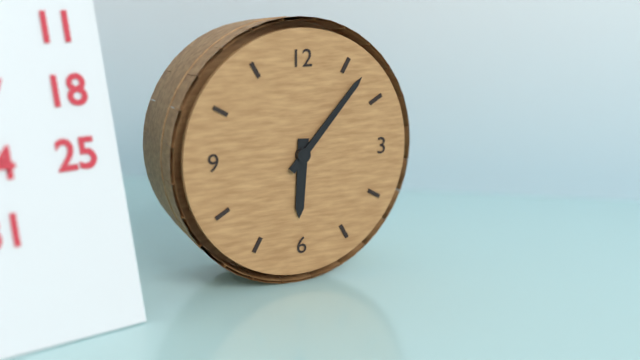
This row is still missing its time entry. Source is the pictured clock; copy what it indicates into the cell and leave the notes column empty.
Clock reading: 6:07
